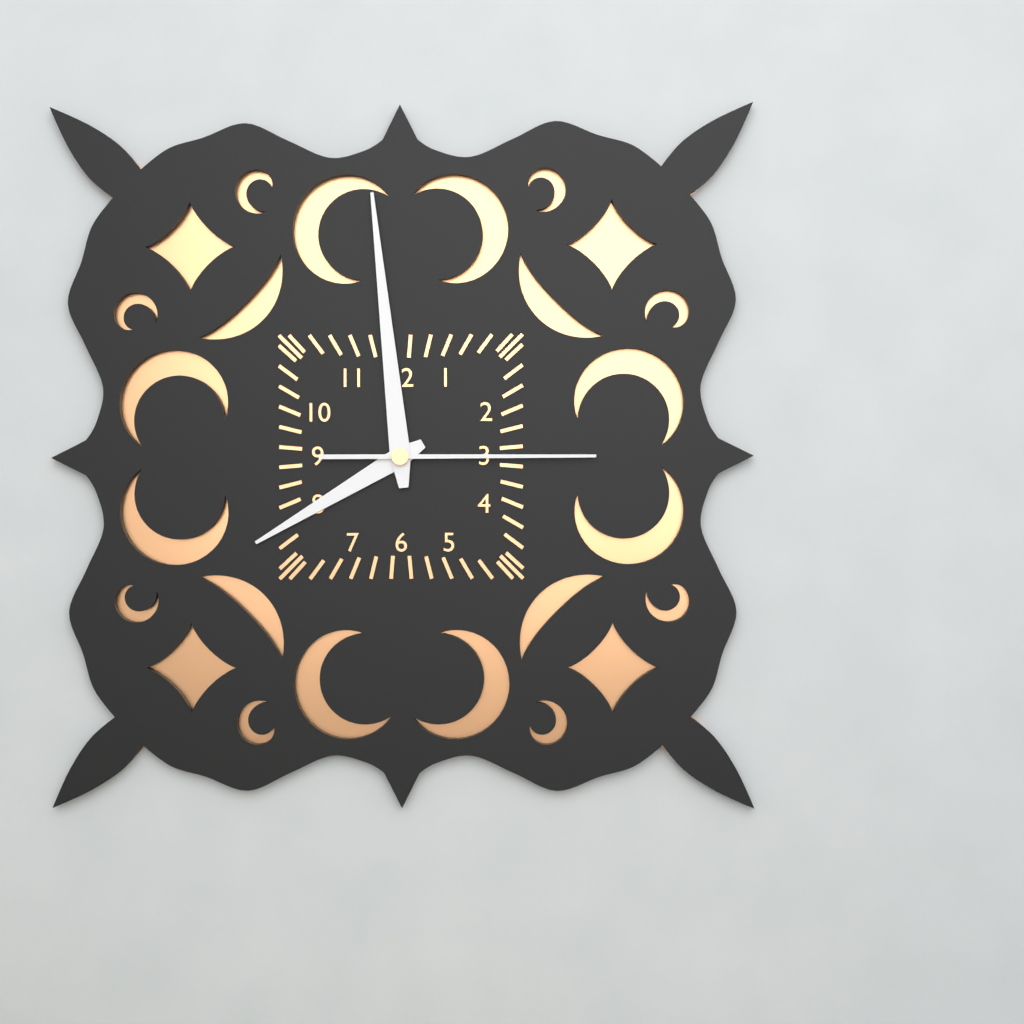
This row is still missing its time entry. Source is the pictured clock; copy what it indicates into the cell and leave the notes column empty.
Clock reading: 7:59:15
